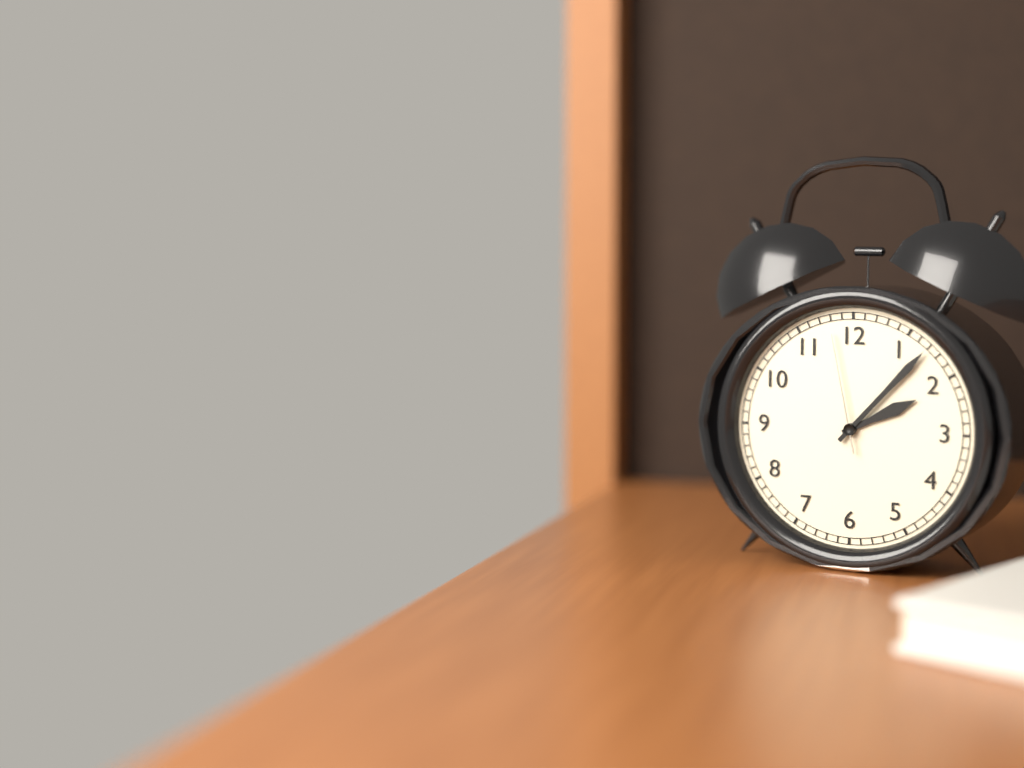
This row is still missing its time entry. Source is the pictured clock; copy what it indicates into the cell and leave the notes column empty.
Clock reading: 2:07:58
